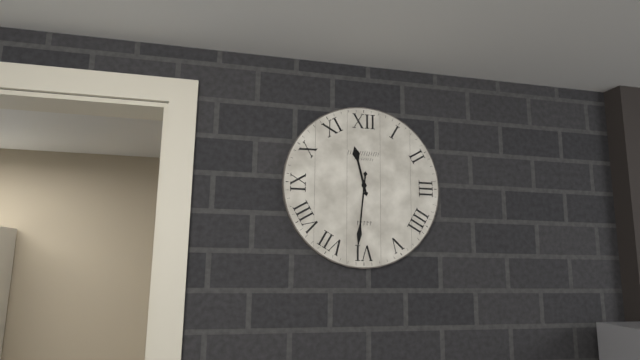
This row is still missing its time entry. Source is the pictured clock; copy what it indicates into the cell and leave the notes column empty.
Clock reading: 11:31
